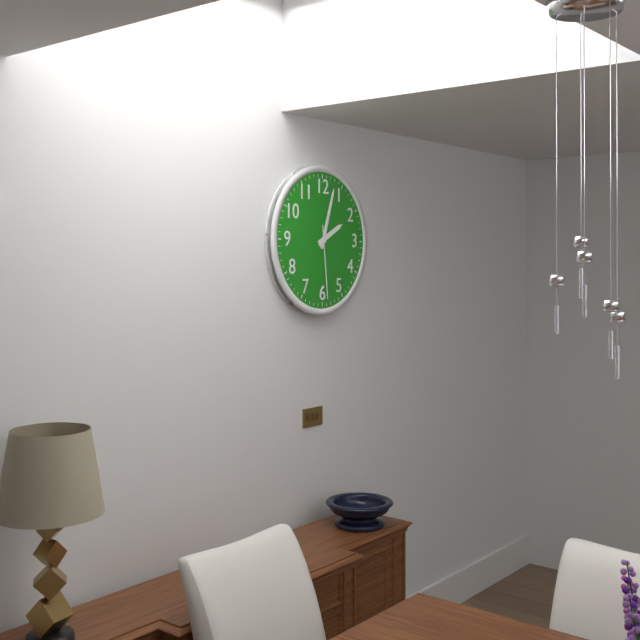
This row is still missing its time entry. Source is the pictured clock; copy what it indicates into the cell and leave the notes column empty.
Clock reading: 2:03:29
